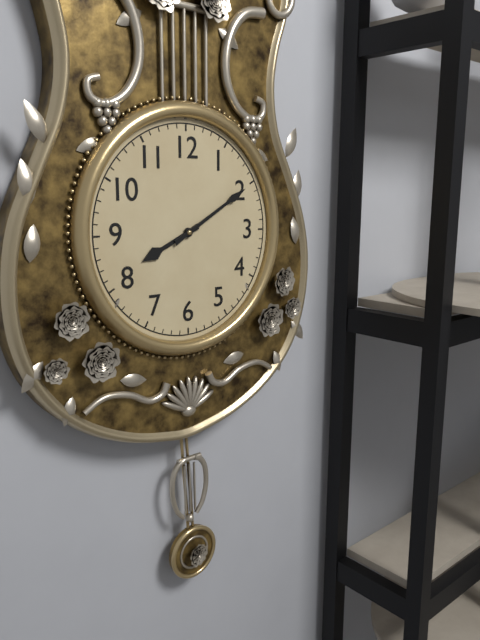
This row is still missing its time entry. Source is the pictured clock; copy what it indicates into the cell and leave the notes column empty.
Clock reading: 8:10
